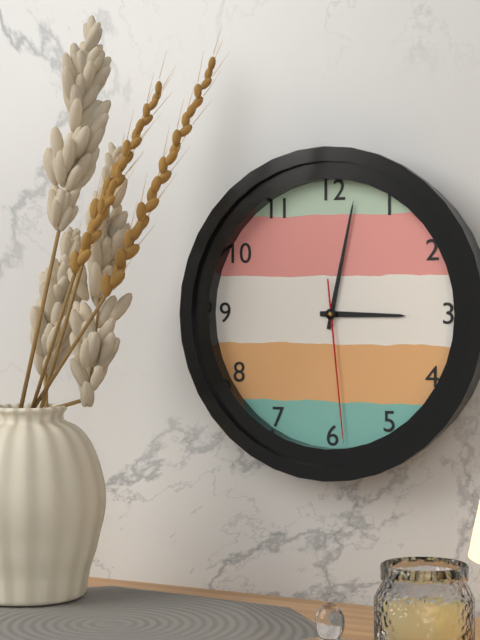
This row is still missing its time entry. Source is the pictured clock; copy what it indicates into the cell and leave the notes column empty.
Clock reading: 3:02:29
